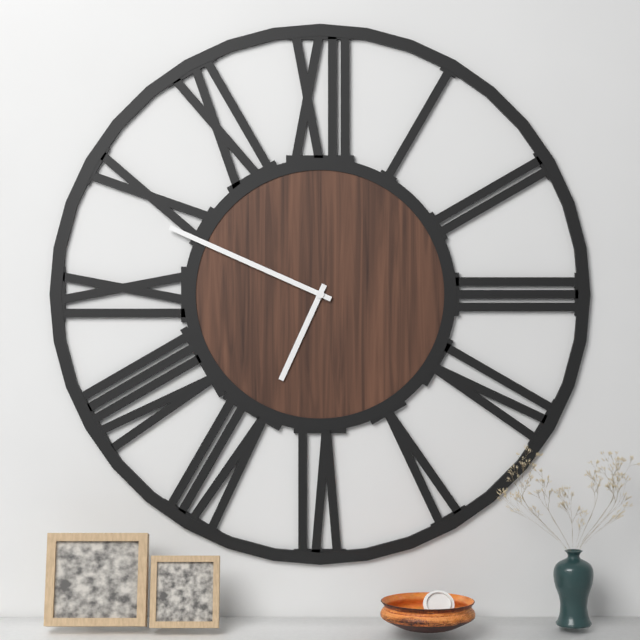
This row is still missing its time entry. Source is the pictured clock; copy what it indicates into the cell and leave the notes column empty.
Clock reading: 6:49
